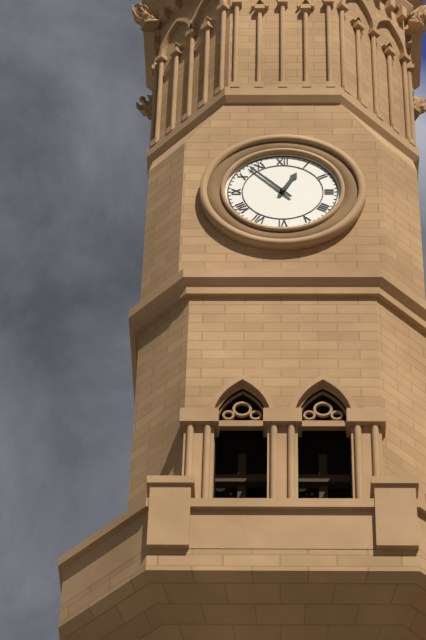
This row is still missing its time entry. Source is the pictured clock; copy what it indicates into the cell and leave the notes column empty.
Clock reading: 12:53
